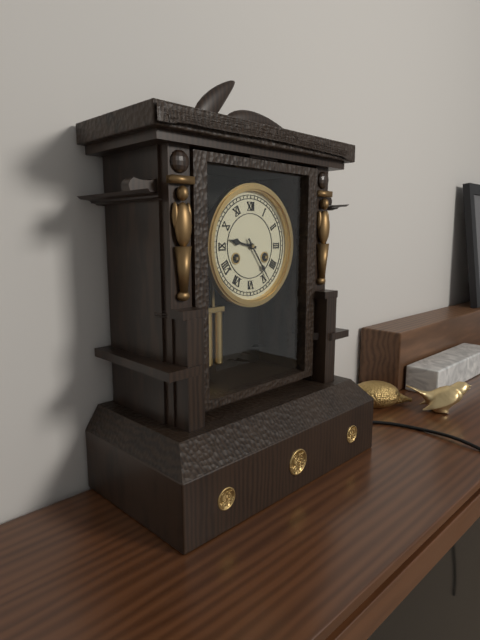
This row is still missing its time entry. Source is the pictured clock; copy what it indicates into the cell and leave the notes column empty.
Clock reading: 9:24
